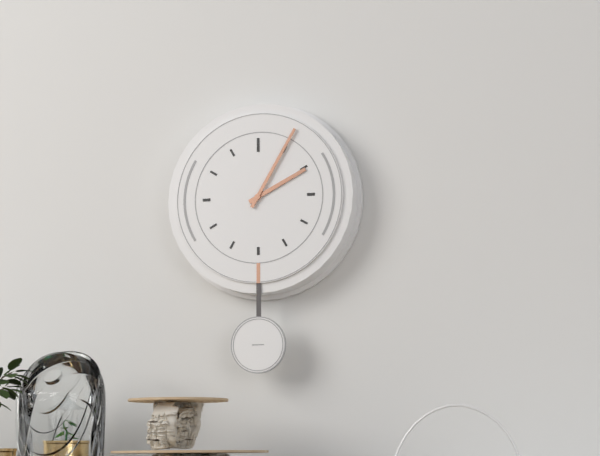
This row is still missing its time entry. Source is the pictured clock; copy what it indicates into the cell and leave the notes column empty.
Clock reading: 2:05
